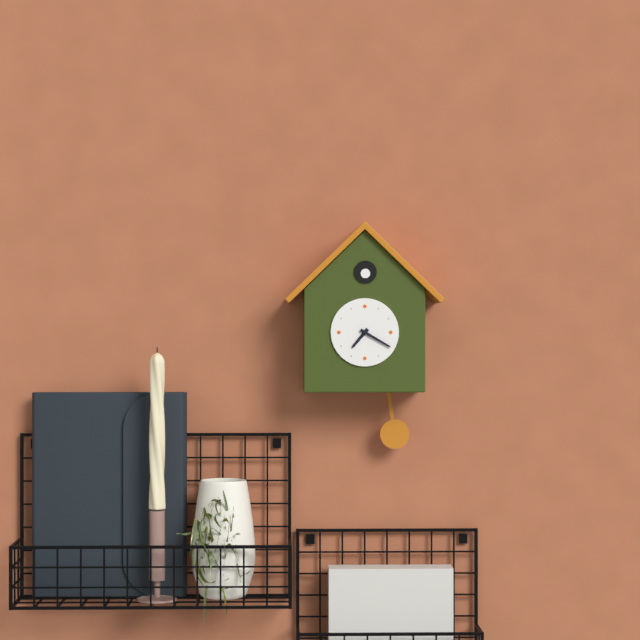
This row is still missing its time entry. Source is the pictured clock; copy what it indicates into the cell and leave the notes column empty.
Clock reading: 7:20
